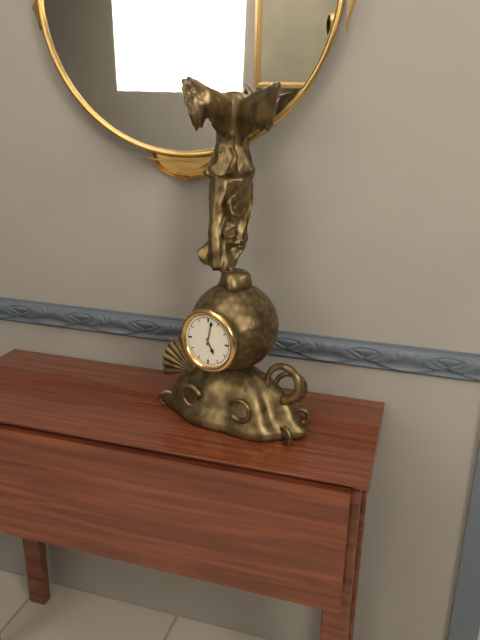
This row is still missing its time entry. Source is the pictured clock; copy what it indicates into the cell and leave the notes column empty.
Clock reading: 5:02
